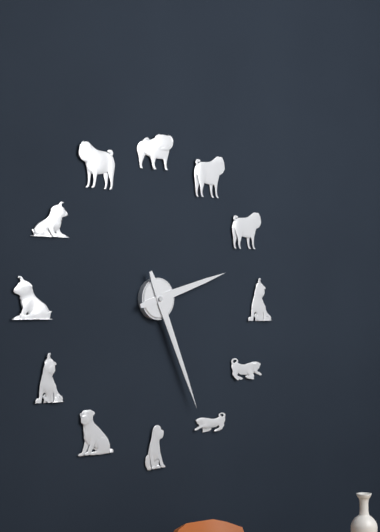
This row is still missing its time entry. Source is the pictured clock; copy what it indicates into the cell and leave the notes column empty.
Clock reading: 2:26
